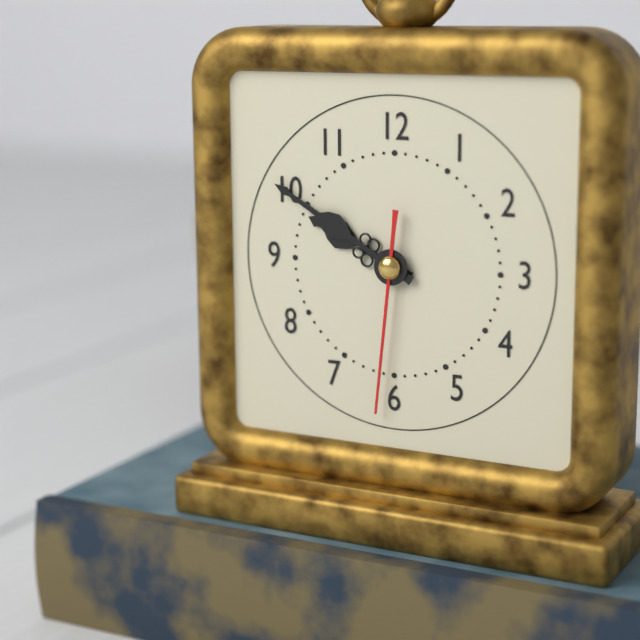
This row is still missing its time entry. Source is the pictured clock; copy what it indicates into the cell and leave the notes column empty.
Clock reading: 9:50:31
